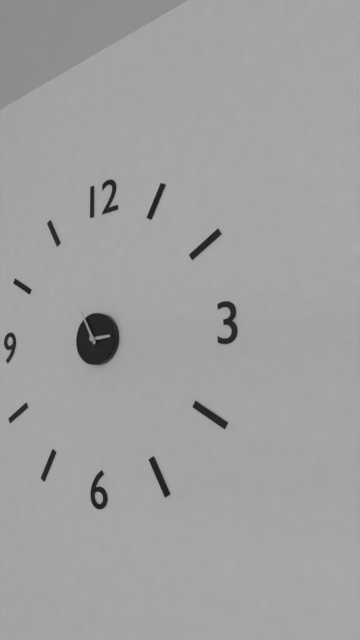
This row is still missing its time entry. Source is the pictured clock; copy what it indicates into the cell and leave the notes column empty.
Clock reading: 2:55
